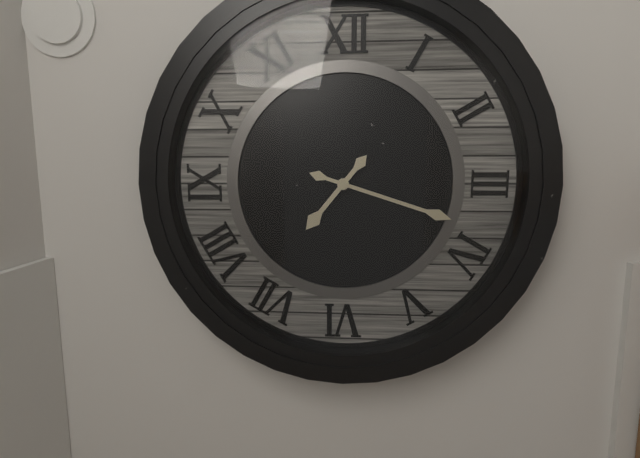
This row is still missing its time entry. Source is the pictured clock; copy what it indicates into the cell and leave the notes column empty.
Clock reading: 7:18
